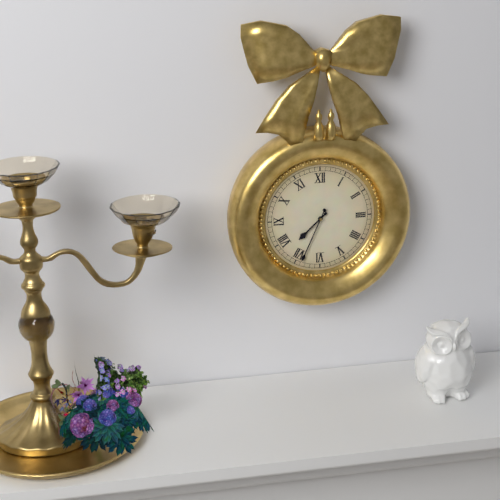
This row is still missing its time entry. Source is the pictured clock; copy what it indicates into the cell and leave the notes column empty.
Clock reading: 7:34
